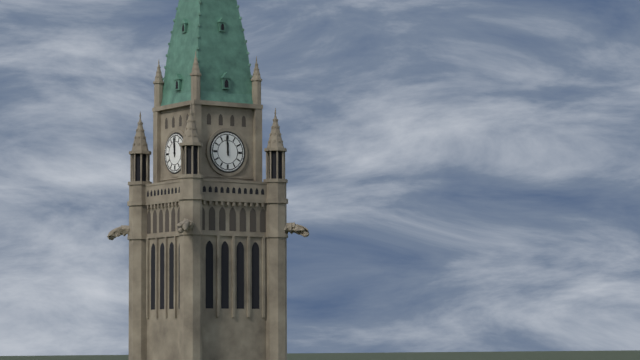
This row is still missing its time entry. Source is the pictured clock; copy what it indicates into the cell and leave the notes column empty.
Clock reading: 11:59
